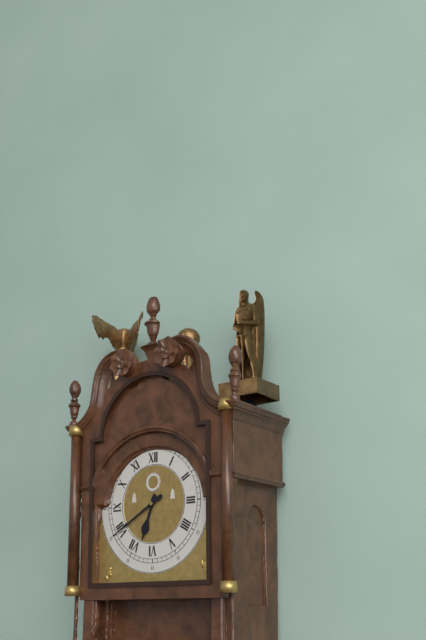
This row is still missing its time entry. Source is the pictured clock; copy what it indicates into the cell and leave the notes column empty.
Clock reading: 6:40
